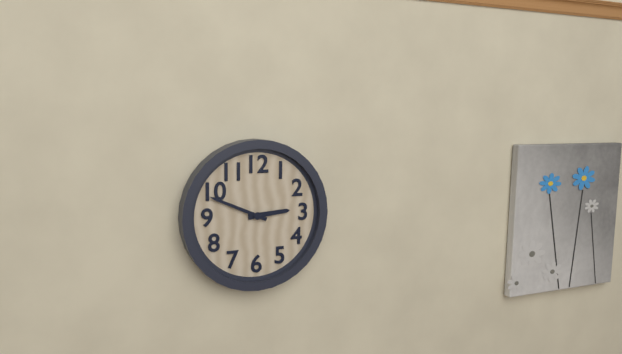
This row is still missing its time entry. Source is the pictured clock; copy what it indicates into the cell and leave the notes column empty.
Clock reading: 2:49
